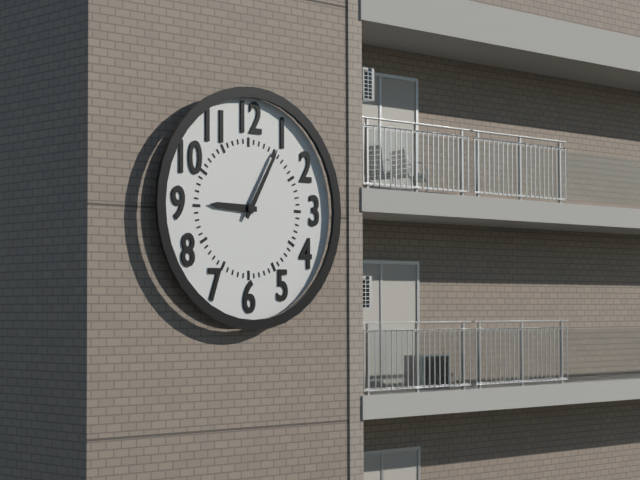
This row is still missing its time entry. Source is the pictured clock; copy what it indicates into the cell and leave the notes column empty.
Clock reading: 9:05
